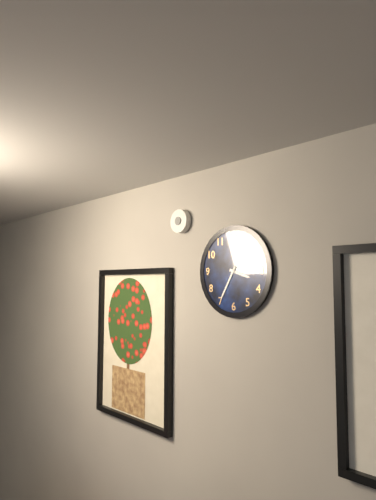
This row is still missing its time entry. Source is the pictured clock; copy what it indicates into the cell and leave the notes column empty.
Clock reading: 3:35
